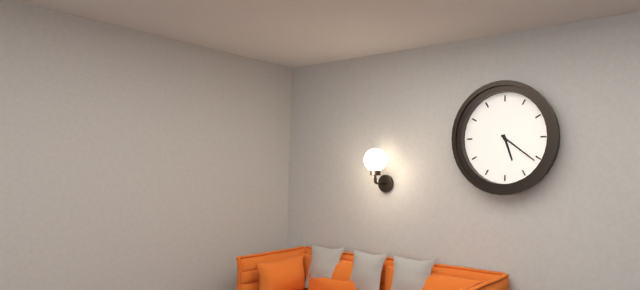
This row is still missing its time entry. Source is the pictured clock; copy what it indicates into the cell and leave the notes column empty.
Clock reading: 5:21
